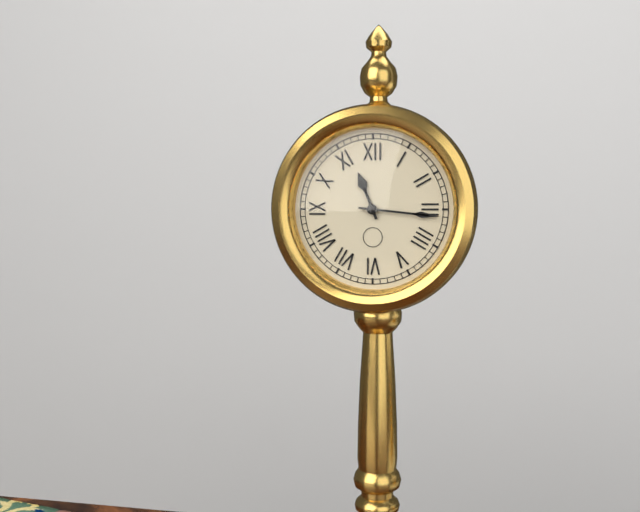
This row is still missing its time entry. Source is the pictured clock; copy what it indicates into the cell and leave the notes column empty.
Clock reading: 11:16
